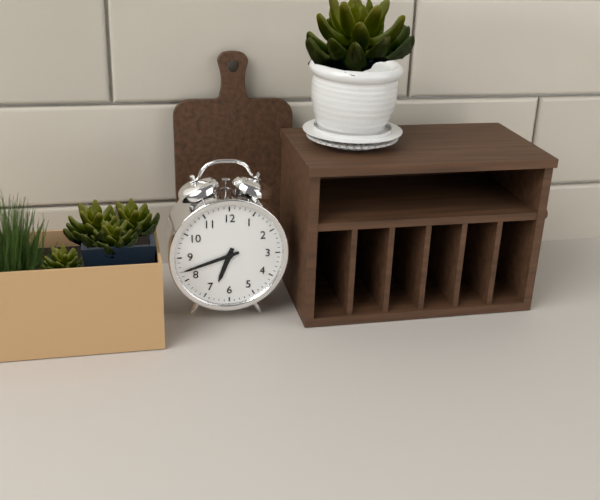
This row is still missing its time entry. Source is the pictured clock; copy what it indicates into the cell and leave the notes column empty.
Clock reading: 6:42
